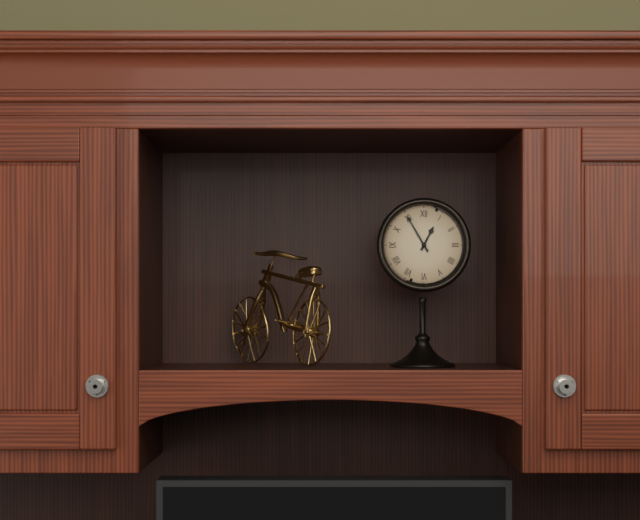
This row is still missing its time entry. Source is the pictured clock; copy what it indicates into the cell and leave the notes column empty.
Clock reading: 12:55
